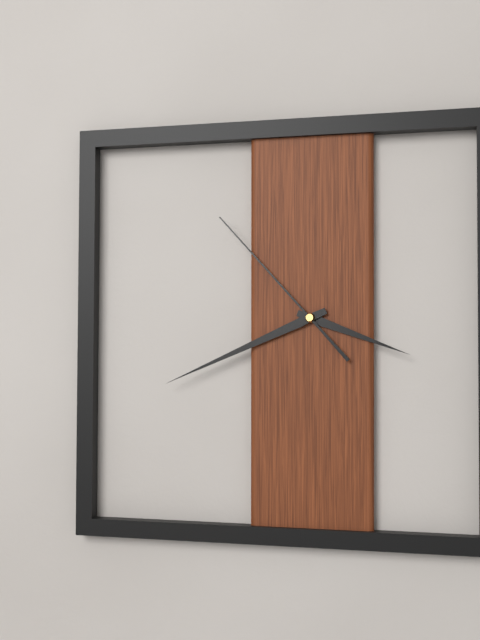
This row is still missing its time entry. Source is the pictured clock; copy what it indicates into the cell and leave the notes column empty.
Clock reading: 3:41:53
